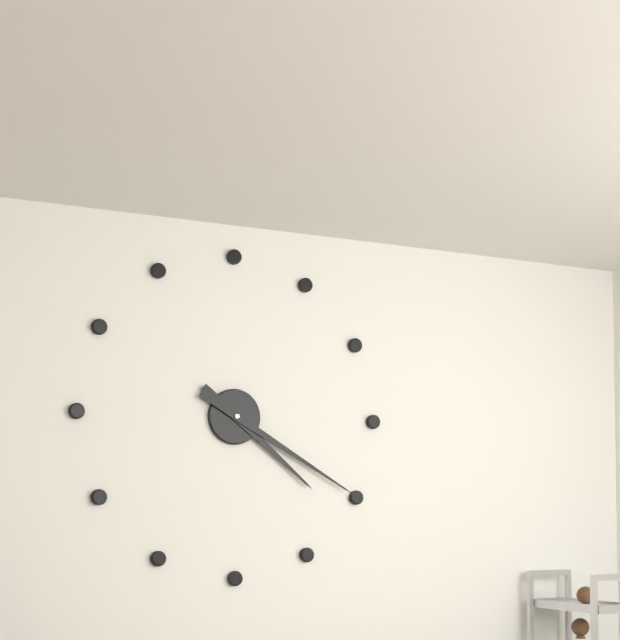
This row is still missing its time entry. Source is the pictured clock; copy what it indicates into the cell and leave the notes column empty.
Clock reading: 4:20
